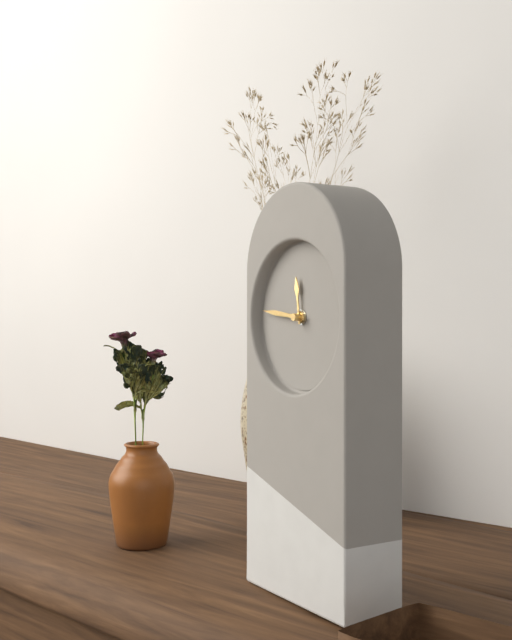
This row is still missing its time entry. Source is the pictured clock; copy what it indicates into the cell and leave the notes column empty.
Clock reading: 11:46
